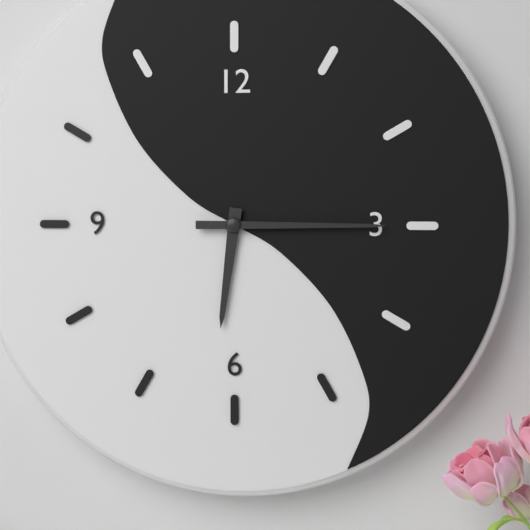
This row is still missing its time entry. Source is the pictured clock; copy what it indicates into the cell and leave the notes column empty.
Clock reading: 6:15
